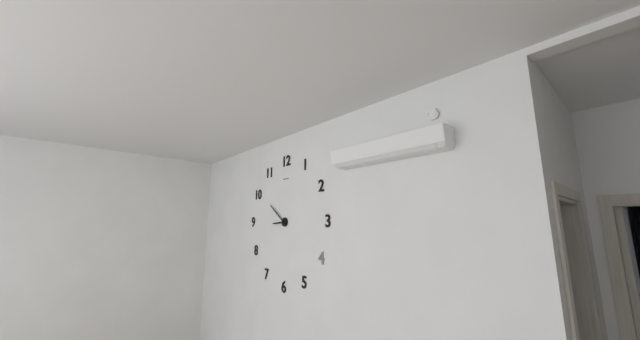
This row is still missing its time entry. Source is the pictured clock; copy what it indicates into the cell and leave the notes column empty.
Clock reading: 8:51
